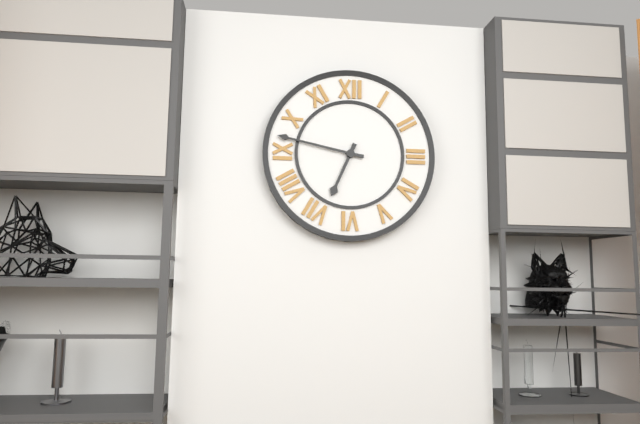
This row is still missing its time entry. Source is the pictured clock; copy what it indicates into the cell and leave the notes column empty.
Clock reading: 6:47
